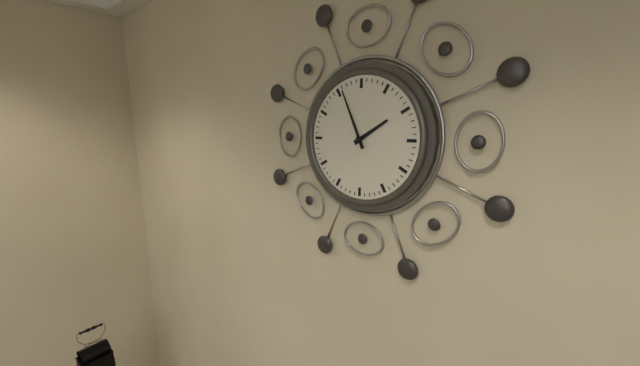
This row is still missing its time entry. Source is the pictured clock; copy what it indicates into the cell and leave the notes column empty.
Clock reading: 1:56
